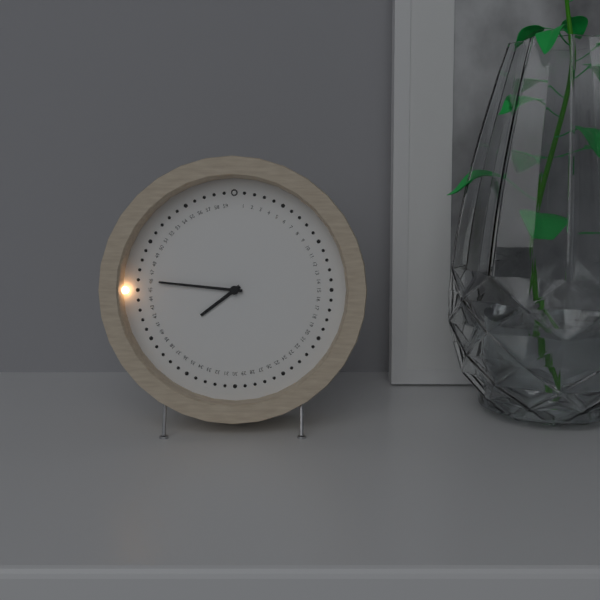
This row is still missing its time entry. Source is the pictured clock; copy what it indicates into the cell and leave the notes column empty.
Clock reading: 7:46
